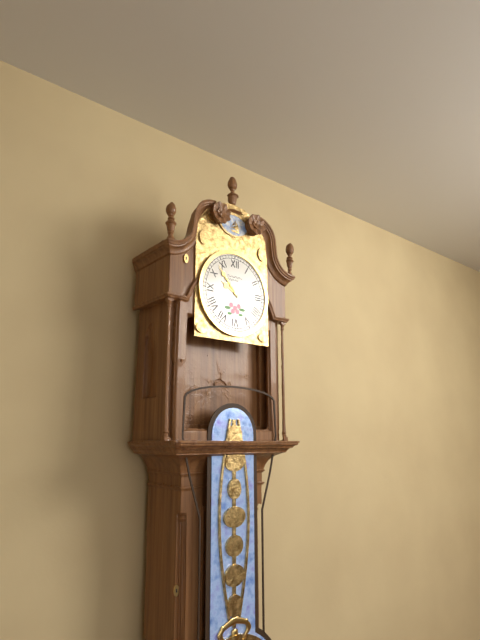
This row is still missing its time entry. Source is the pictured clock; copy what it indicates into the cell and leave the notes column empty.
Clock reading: 9:53
